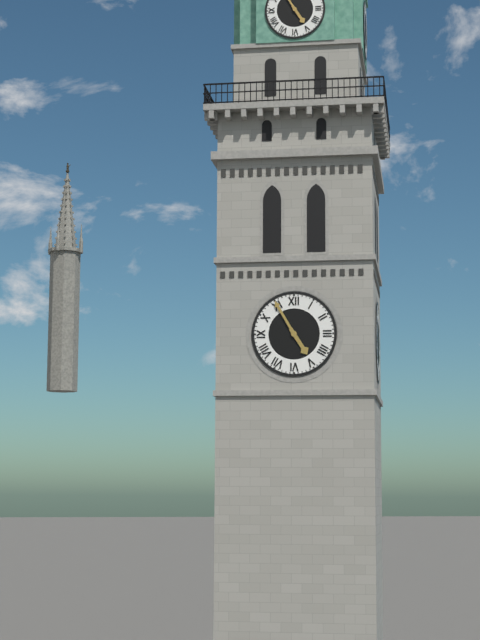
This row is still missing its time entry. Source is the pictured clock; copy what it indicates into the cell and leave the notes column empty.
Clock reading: 4:55
